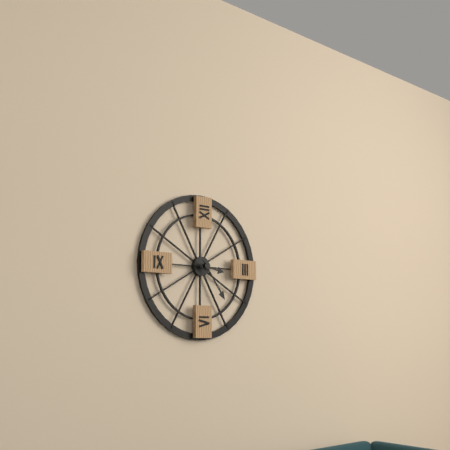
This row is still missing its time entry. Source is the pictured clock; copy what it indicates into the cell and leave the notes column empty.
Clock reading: 3:24
